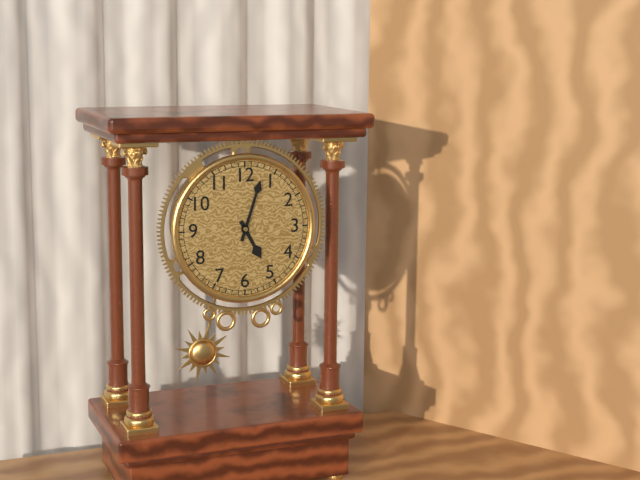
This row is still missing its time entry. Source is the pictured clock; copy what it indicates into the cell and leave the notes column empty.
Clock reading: 5:03
